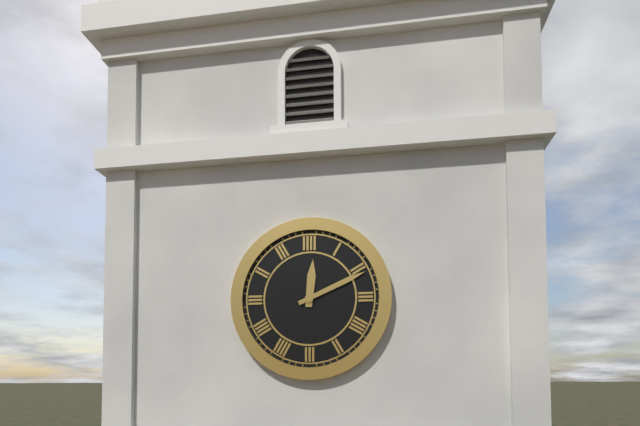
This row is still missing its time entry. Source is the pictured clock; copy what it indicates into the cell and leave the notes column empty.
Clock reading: 12:11
